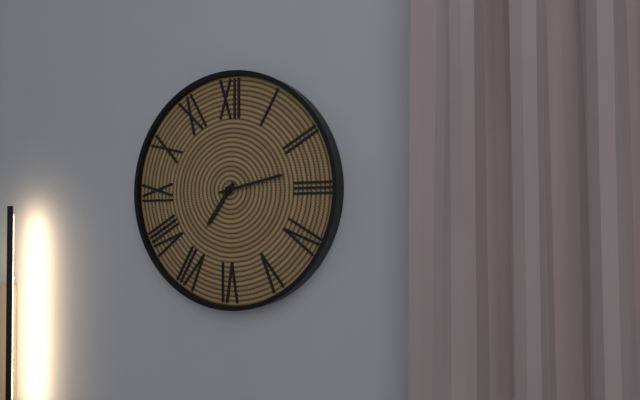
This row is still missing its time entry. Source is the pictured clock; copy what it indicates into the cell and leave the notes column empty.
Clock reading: 7:13
